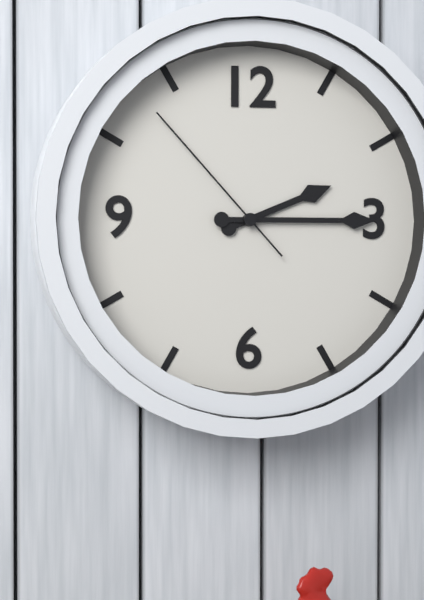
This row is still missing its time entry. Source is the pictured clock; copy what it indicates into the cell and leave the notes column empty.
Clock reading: 2:15:53
